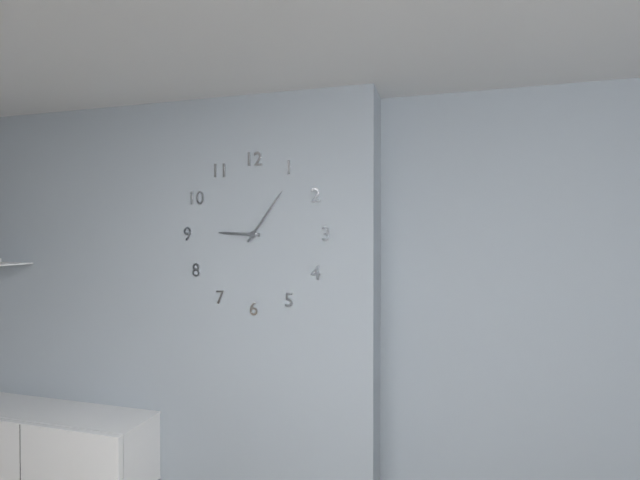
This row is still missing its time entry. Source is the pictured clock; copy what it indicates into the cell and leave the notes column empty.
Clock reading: 9:06
